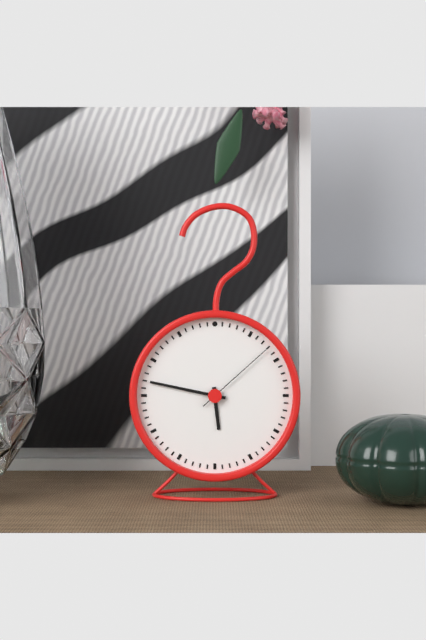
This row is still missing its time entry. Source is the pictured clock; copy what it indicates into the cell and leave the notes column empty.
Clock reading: 5:47:08
